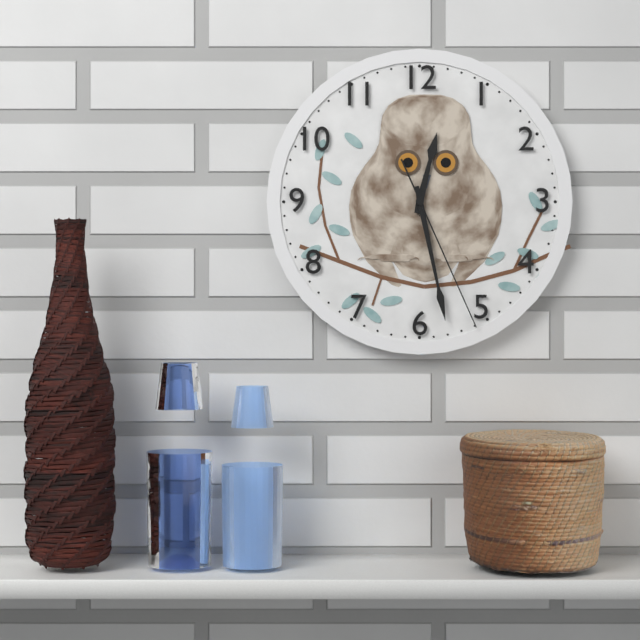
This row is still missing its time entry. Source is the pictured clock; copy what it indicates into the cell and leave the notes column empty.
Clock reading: 12:28:26
